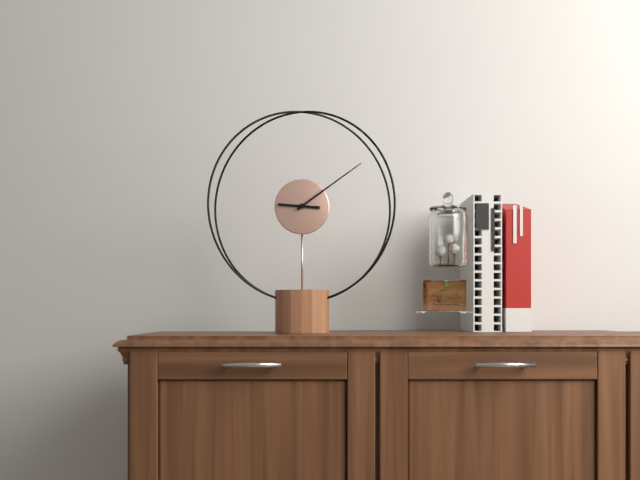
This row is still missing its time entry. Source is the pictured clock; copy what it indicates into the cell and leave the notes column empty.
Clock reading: 9:09
